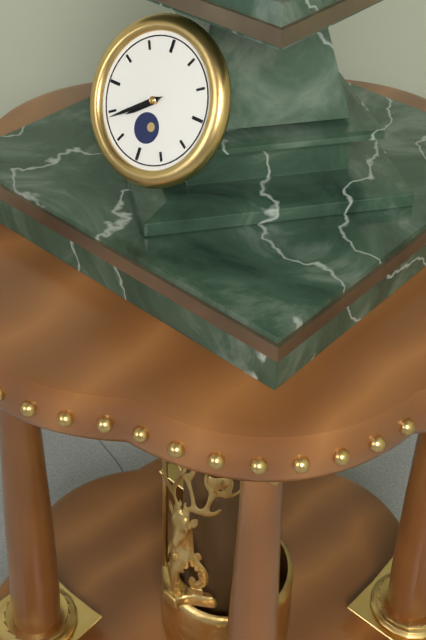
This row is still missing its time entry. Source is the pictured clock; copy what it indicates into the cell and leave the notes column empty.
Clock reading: 7:39
